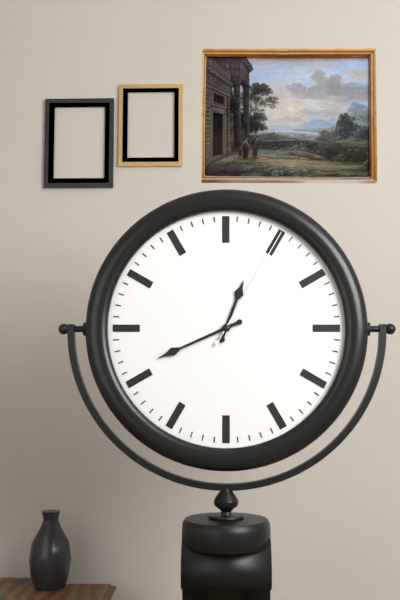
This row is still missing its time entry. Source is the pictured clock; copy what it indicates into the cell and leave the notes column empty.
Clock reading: 12:41:05
